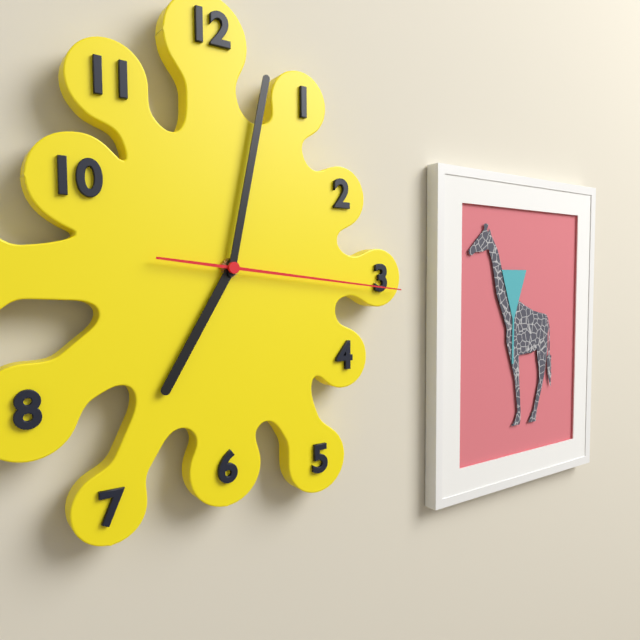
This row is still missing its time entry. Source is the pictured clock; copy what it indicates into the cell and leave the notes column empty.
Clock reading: 7:02:16
